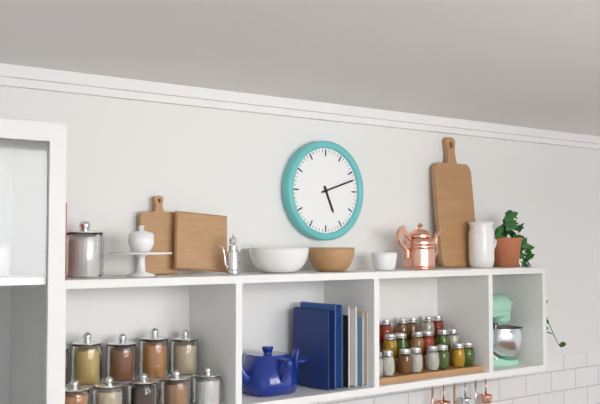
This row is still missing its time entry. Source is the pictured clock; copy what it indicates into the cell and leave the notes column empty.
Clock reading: 5:12
